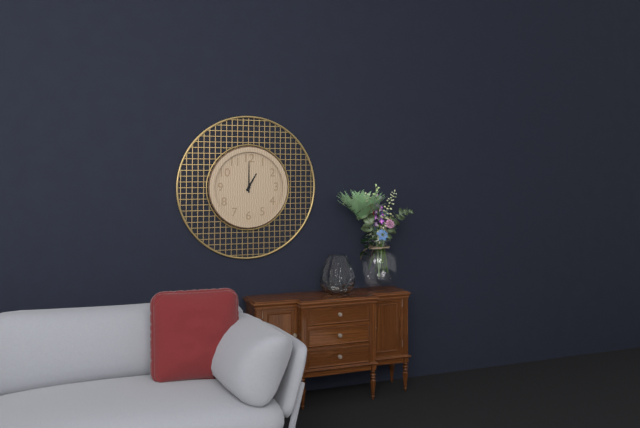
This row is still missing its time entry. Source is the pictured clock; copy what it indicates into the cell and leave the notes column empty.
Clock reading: 1:00
